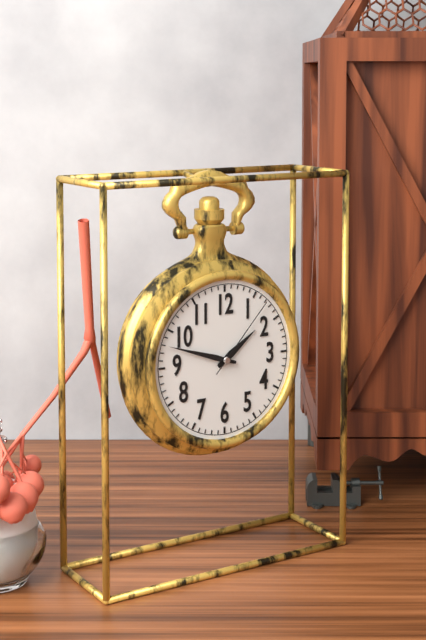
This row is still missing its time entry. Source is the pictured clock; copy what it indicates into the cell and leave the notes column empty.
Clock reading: 1:48:07
